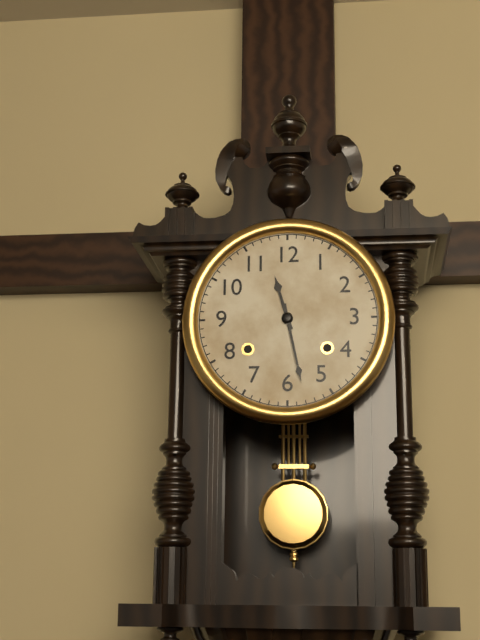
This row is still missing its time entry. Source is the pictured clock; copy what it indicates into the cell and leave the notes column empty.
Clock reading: 11:28
